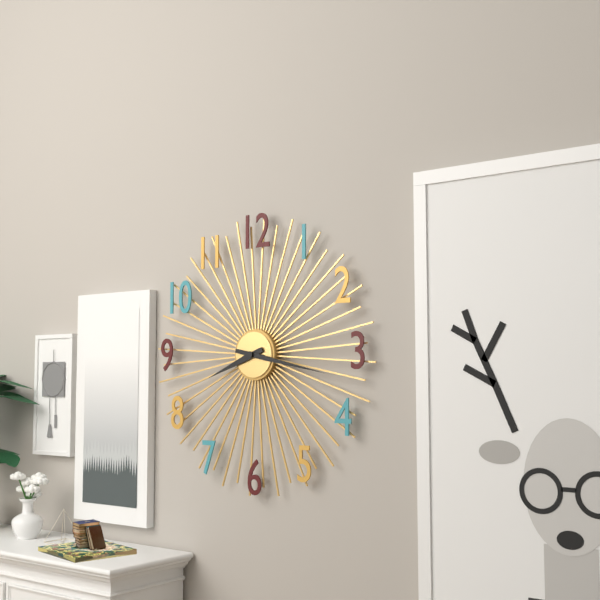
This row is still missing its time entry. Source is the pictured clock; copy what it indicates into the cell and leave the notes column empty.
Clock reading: 8:17
